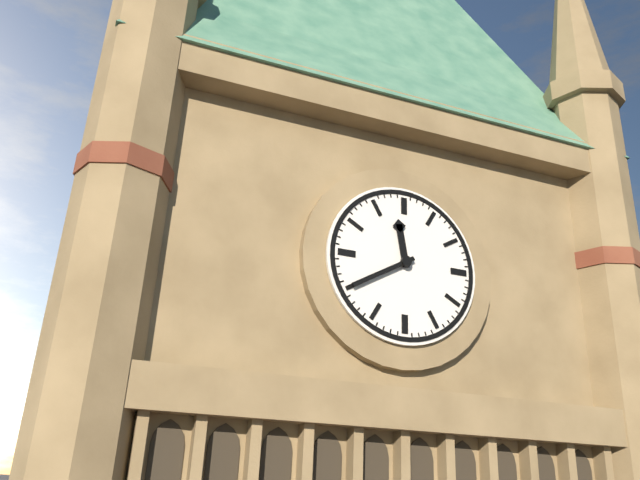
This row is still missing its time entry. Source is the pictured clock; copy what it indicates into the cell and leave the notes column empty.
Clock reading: 11:40
